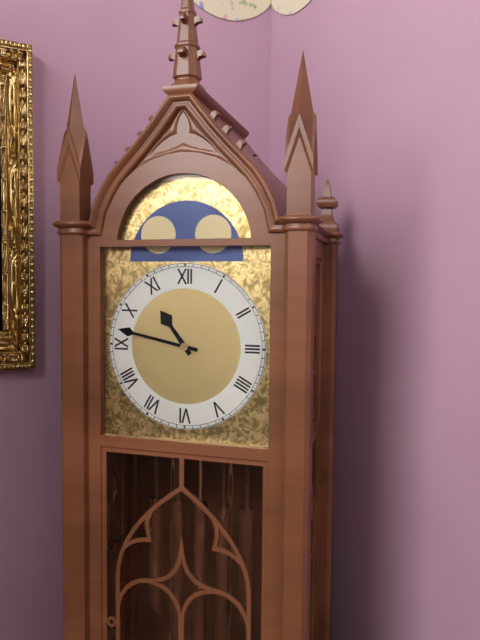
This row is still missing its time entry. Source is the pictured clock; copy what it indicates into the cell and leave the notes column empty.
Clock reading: 10:47
